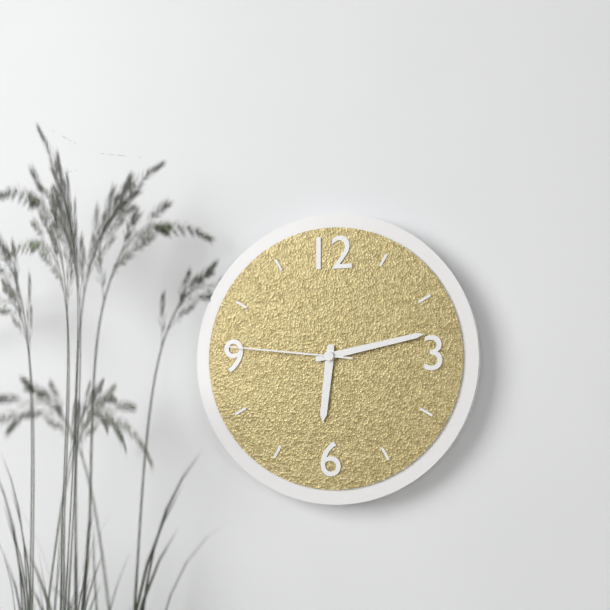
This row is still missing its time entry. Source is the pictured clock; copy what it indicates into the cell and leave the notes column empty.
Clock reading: 6:13:46
